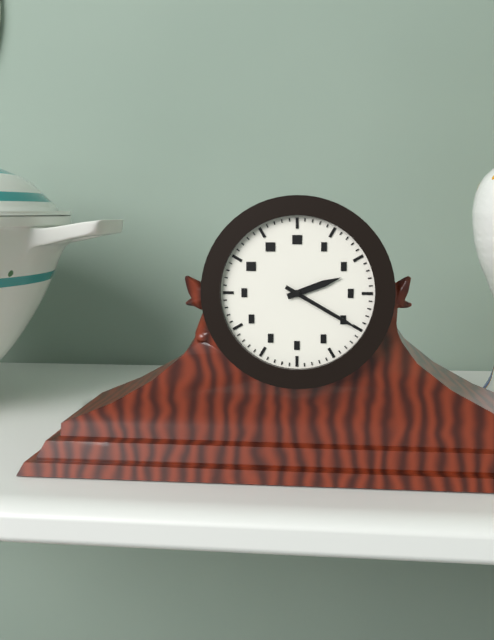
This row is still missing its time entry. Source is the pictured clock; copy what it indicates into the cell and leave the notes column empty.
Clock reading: 2:20
